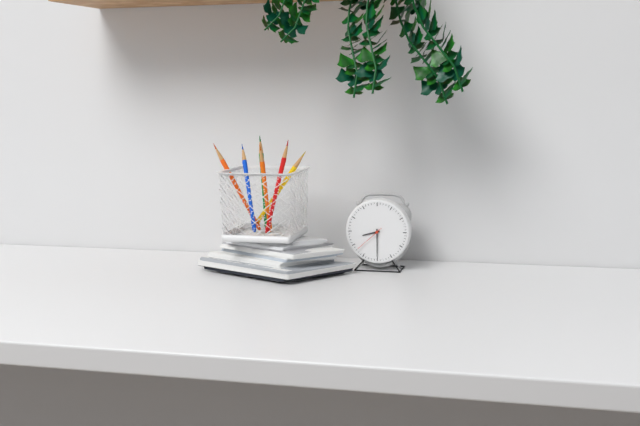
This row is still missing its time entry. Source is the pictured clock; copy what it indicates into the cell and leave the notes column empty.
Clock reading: 8:30
